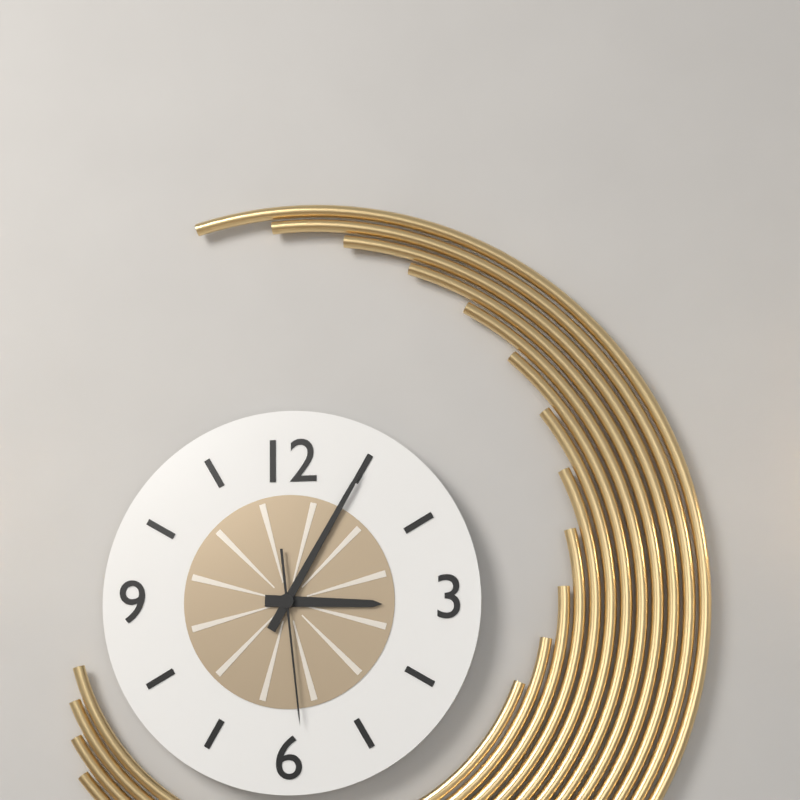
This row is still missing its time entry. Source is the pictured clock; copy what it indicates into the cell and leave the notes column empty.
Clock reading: 3:05:29
